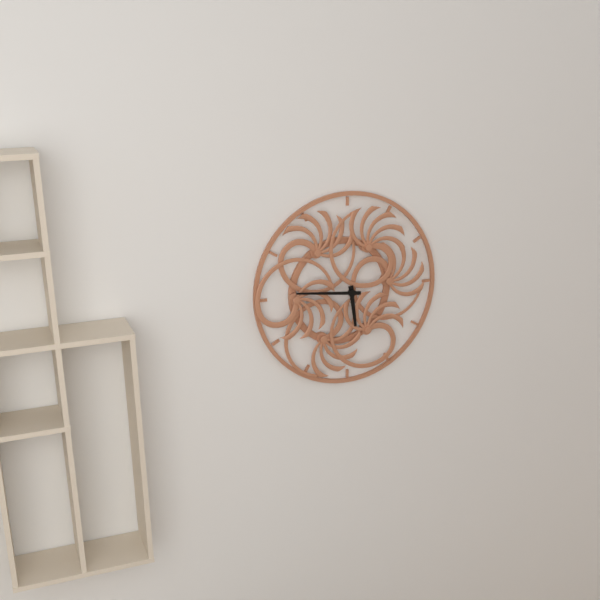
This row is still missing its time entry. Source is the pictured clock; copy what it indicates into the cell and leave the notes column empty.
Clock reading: 5:46
